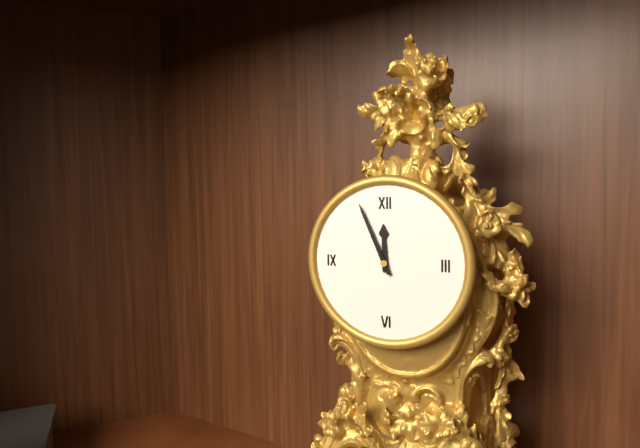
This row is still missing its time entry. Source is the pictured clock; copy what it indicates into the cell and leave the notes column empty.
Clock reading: 11:56
